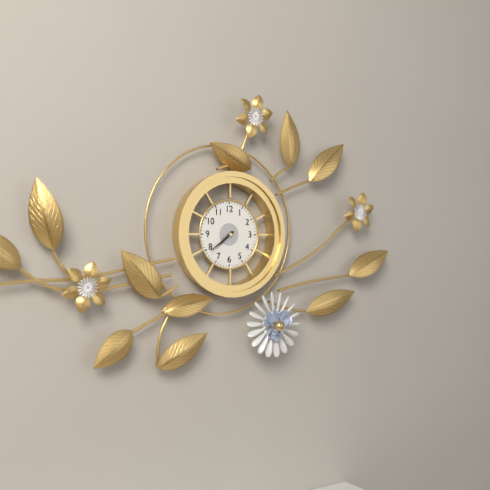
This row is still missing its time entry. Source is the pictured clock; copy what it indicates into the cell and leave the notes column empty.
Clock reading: 7:39
